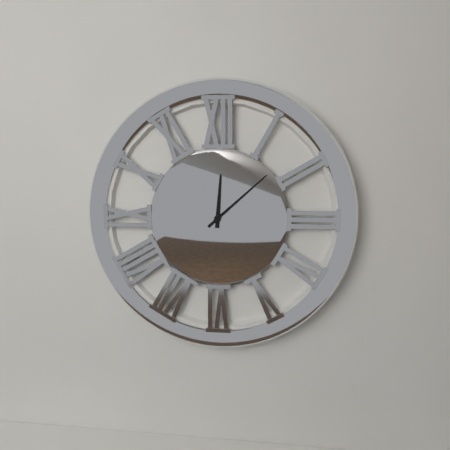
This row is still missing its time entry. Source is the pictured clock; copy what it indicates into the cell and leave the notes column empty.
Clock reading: 12:08
